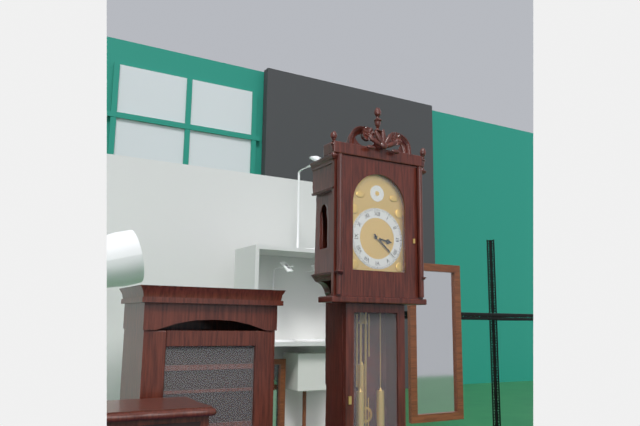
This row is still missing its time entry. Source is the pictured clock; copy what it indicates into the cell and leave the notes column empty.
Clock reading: 3:22
